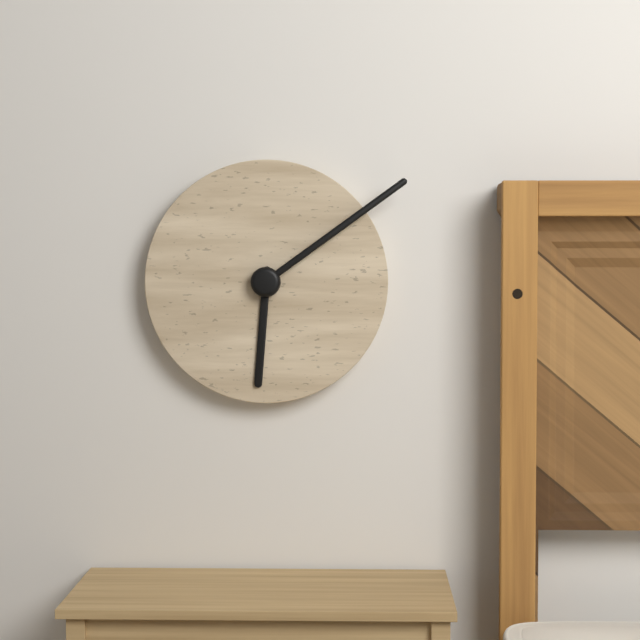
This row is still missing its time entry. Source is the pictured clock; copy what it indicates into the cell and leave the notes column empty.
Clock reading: 6:09
